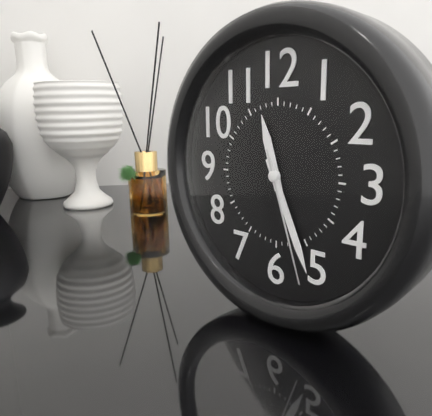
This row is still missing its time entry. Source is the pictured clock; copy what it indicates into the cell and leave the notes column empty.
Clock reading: 11:26:27
